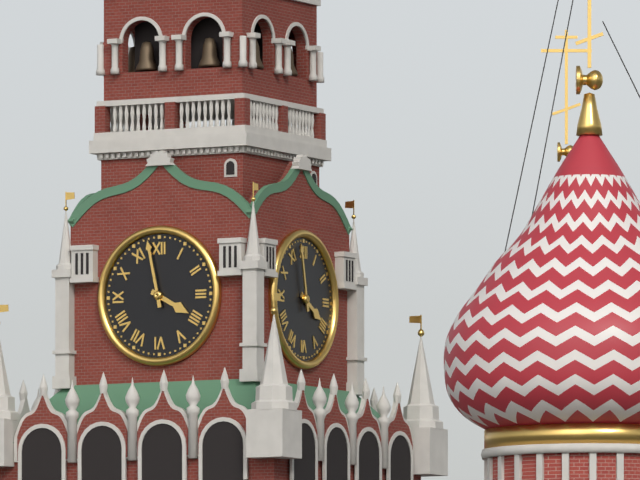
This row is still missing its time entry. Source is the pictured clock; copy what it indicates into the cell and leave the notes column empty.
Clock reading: 3:58
